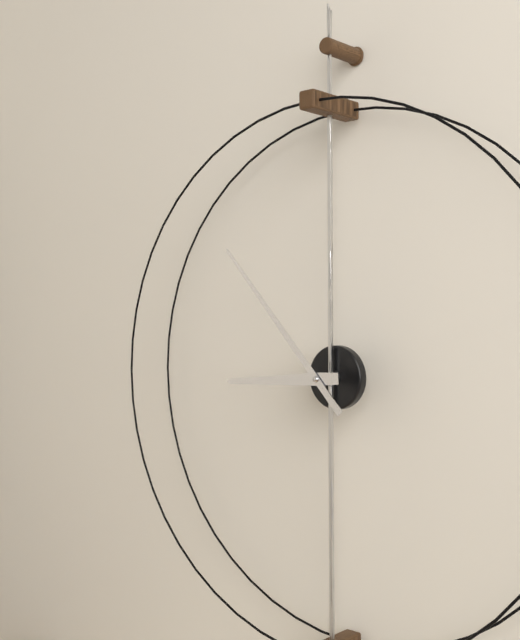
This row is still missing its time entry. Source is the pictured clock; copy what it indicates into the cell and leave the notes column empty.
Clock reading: 8:53
